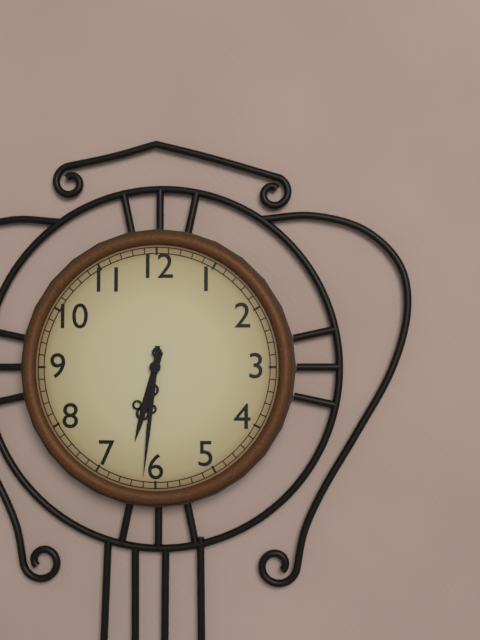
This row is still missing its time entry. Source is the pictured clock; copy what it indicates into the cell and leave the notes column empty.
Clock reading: 6:31
